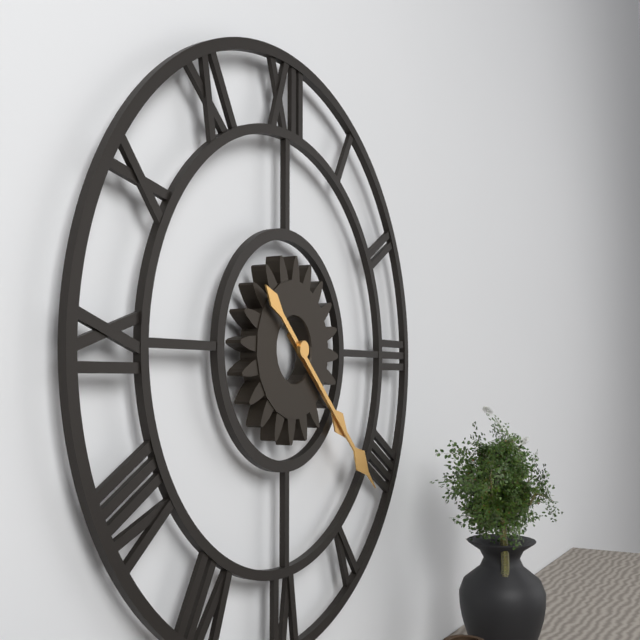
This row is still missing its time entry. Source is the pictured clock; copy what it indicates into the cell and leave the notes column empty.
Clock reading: 4:22
